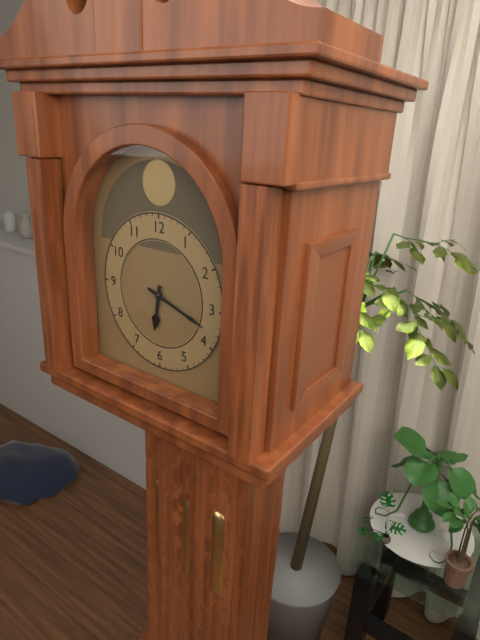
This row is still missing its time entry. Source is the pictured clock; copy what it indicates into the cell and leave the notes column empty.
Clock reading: 6:18
